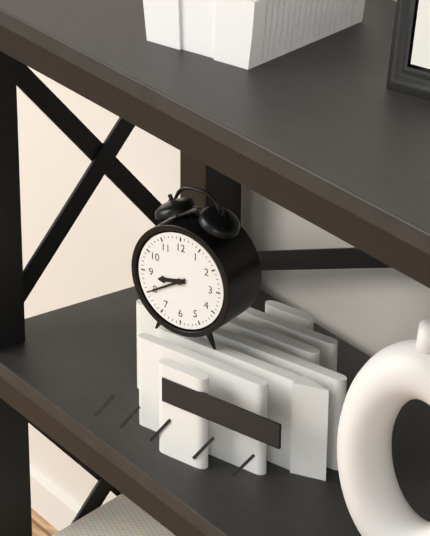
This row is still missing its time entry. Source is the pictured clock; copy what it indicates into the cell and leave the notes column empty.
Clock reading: 8:40
